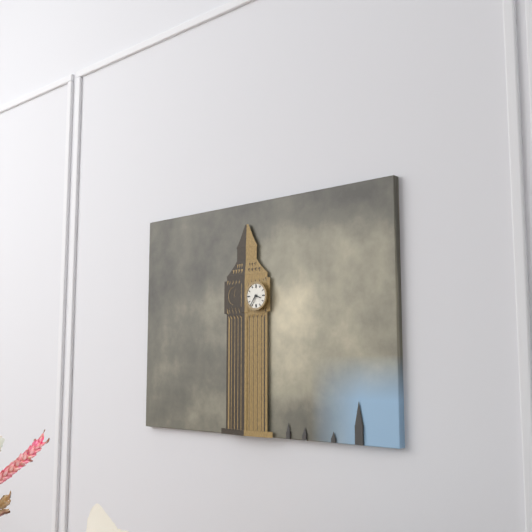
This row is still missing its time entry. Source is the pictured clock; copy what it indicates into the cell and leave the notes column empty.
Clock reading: 3:36
